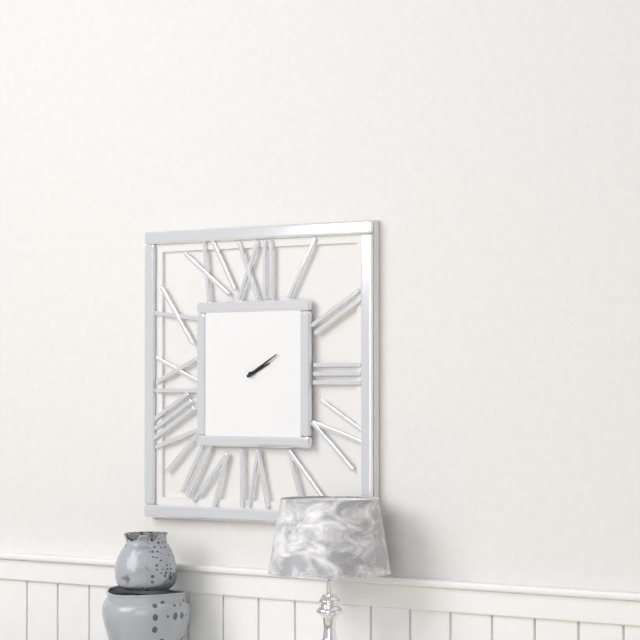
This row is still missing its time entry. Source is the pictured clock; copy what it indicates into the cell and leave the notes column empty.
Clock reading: 2:10
